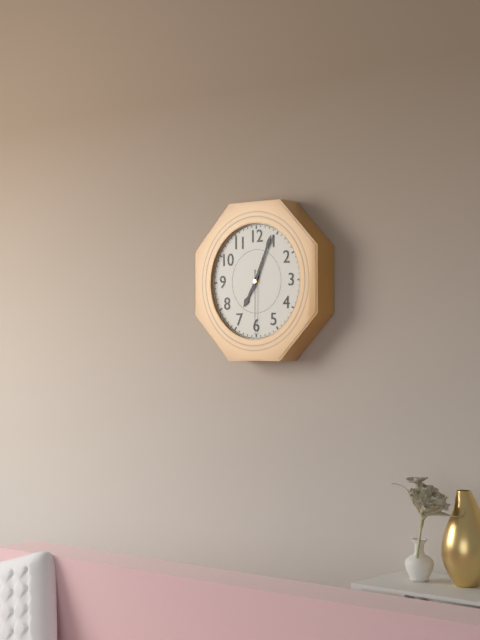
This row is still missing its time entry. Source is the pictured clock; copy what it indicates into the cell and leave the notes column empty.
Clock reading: 7:04:30
